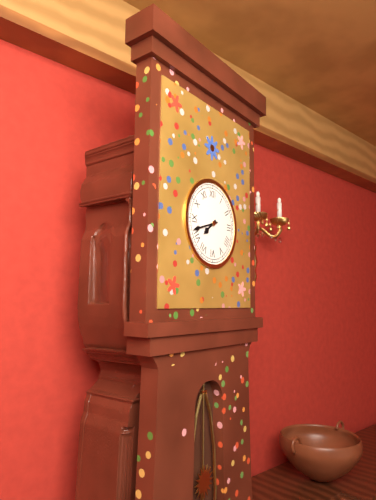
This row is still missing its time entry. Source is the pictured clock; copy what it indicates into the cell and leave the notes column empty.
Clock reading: 7:42
